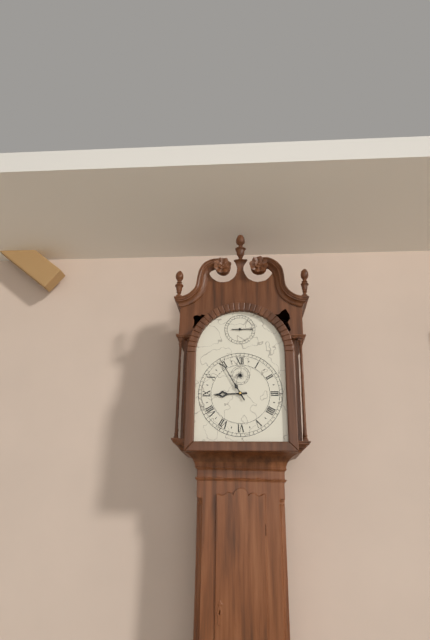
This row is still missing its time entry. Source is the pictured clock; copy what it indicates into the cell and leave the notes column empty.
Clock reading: 8:55
